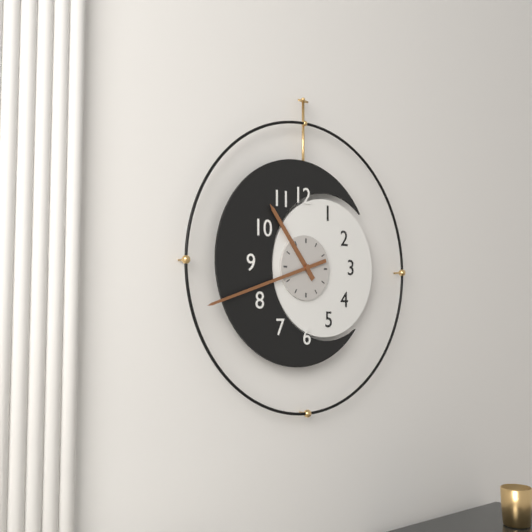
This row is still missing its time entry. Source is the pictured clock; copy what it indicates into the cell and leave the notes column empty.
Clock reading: 10:42
